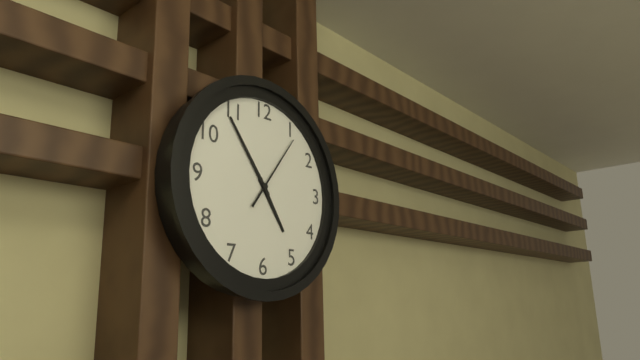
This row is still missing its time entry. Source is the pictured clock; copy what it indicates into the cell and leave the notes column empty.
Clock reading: 4:54:06
